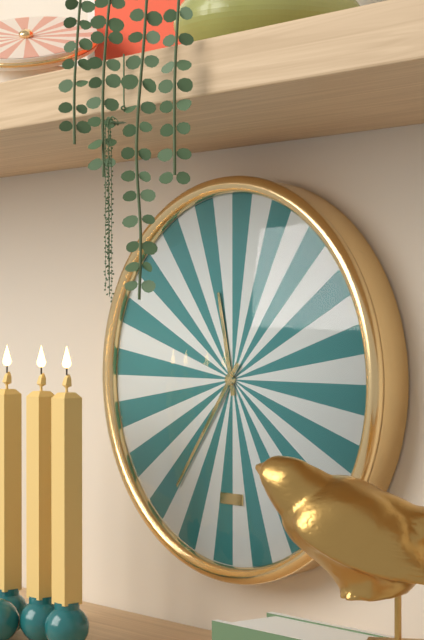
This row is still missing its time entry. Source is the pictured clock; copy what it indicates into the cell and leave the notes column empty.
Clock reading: 11:36
